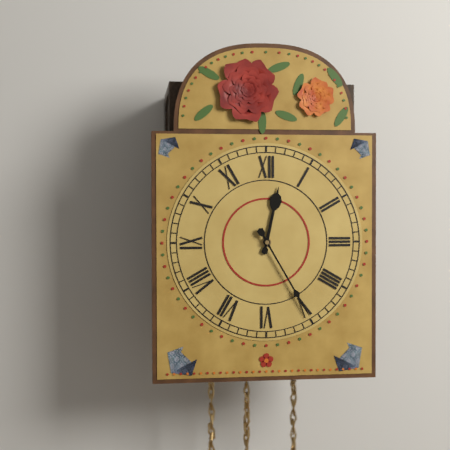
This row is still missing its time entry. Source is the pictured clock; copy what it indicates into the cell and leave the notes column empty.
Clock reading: 12:25
